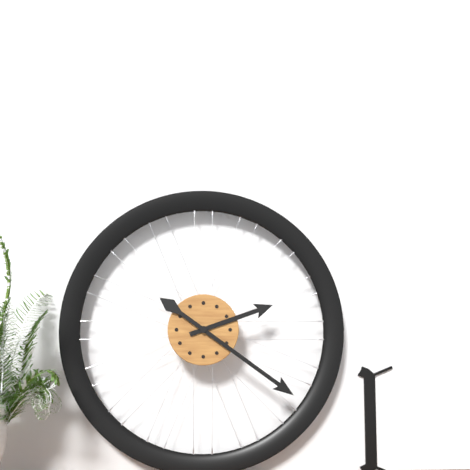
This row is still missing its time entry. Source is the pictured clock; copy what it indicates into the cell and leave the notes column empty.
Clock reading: 2:21
